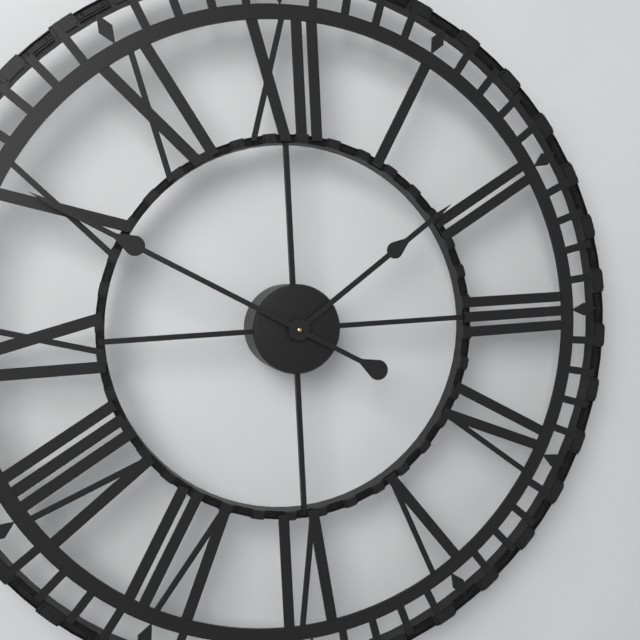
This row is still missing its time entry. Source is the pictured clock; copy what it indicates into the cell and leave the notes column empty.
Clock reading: 1:50
